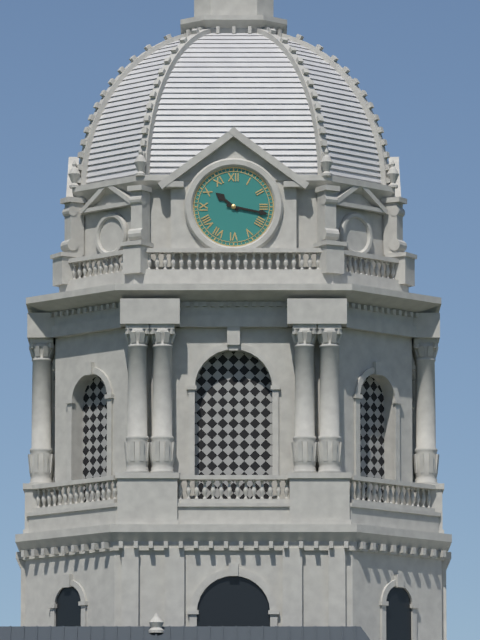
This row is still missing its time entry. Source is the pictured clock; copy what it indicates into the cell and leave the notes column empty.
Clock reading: 10:17
